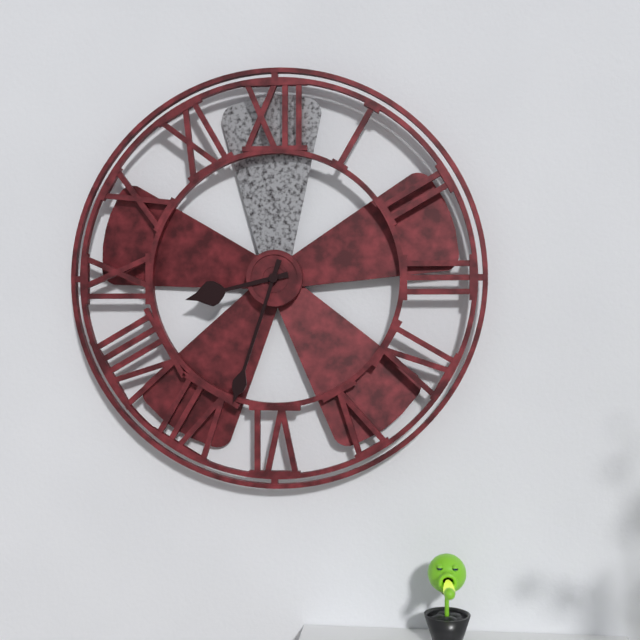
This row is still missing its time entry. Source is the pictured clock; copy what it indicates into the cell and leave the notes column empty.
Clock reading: 8:33
